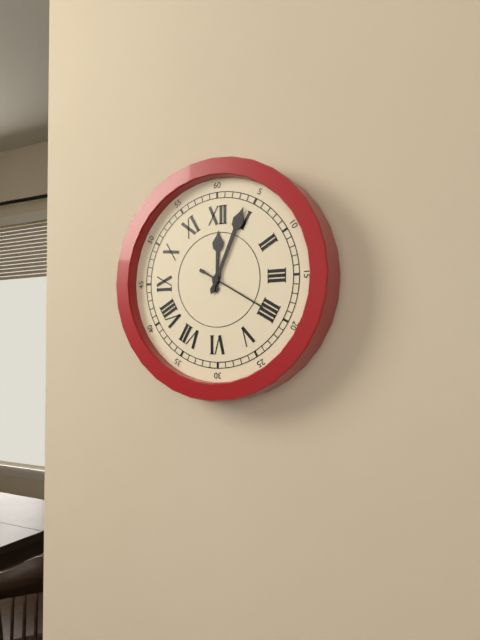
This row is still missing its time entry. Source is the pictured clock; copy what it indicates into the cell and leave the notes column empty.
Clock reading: 12:04:20
